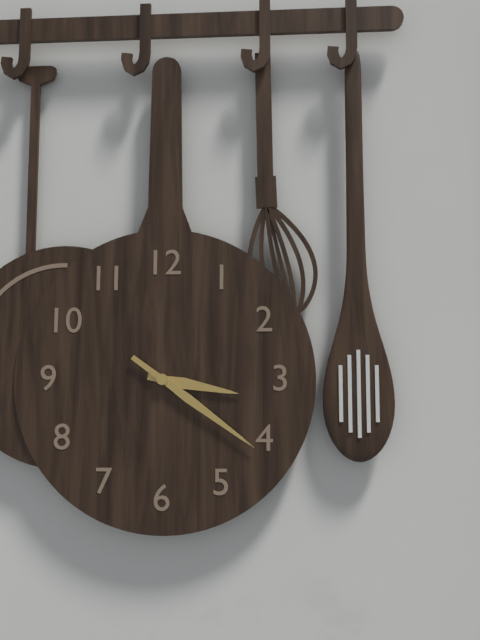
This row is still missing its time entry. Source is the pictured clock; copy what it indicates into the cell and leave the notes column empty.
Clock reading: 3:21
